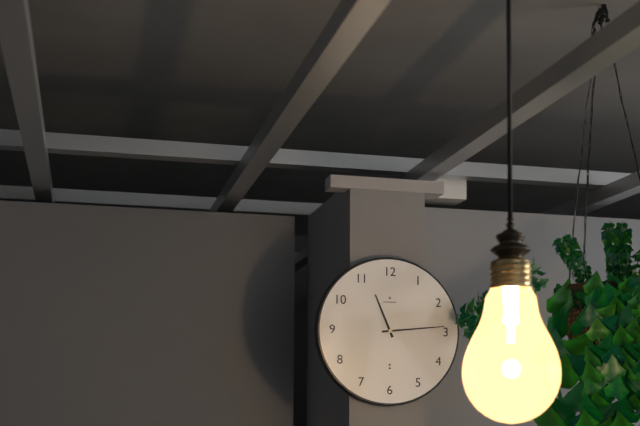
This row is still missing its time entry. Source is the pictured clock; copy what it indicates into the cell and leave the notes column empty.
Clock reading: 11:14
